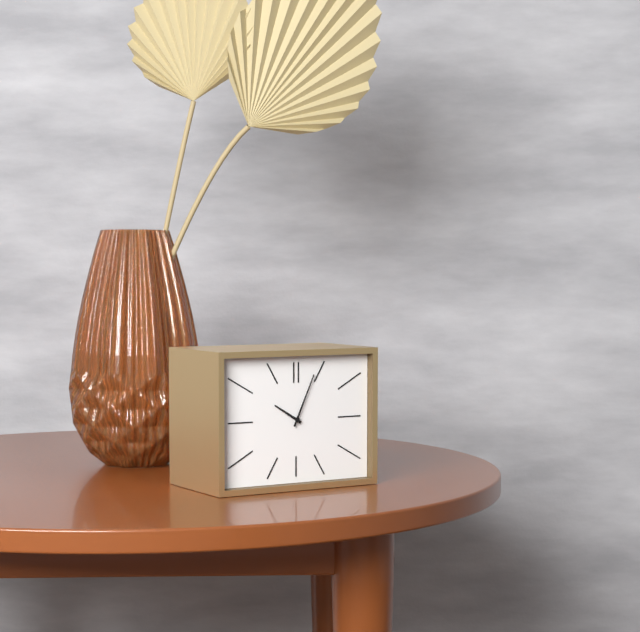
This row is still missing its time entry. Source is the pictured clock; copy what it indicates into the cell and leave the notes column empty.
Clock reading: 10:04
